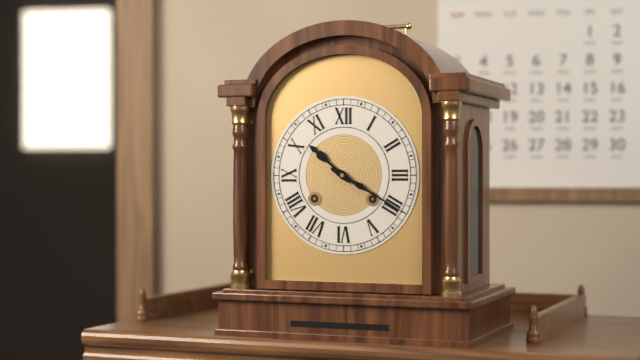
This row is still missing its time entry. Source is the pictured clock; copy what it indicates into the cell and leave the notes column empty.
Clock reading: 10:20
